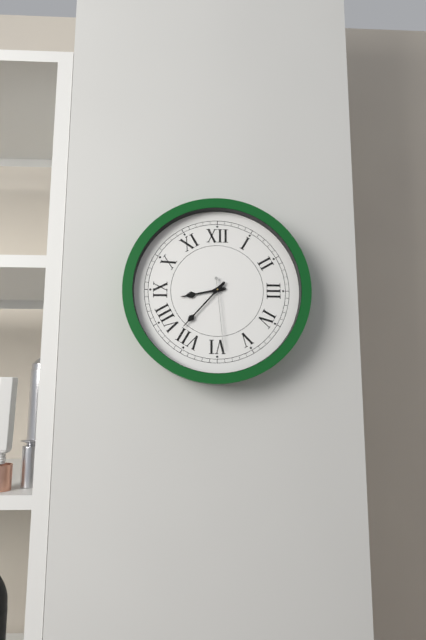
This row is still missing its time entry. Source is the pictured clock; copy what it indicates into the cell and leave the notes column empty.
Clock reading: 8:37:29
